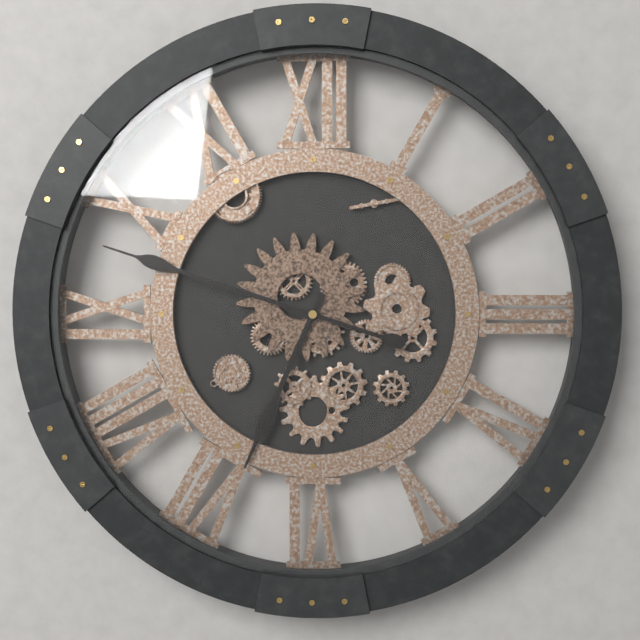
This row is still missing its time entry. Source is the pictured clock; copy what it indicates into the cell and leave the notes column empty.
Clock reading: 6:48
